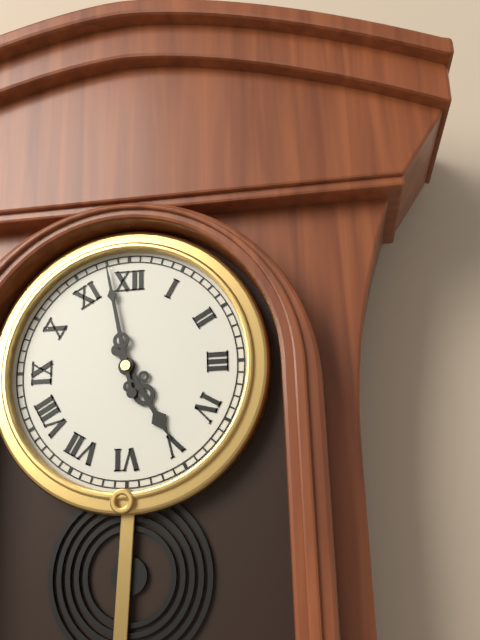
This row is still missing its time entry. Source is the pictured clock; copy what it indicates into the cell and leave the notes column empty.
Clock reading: 4:58
